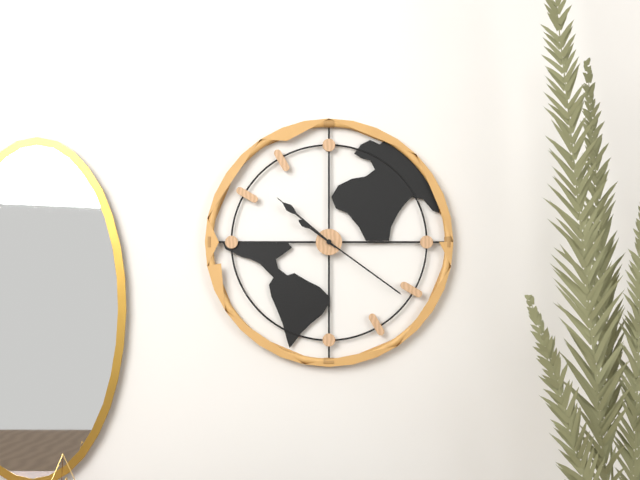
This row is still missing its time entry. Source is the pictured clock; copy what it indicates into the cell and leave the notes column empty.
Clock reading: 10:21
